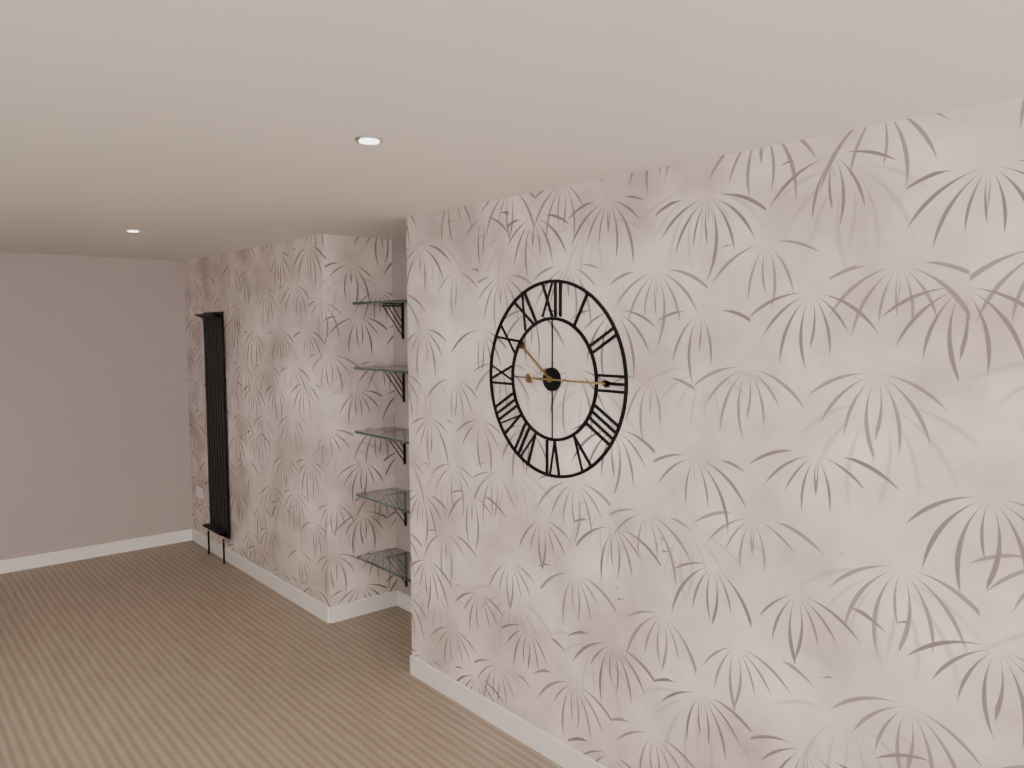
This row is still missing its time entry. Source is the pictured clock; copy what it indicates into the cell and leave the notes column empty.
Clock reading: 10:15
